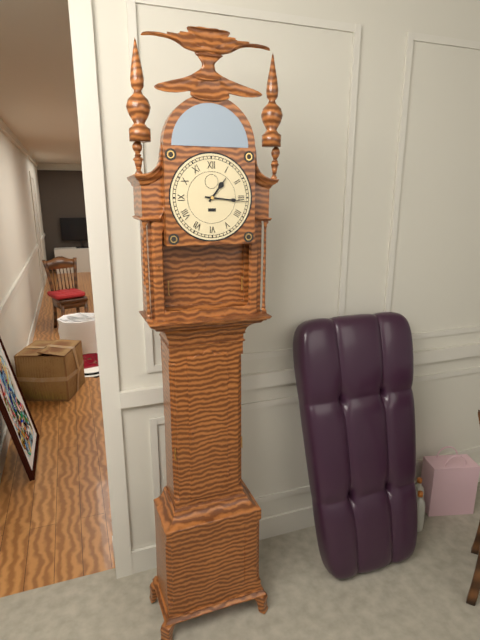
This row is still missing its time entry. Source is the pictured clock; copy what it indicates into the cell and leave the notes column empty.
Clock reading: 1:16
